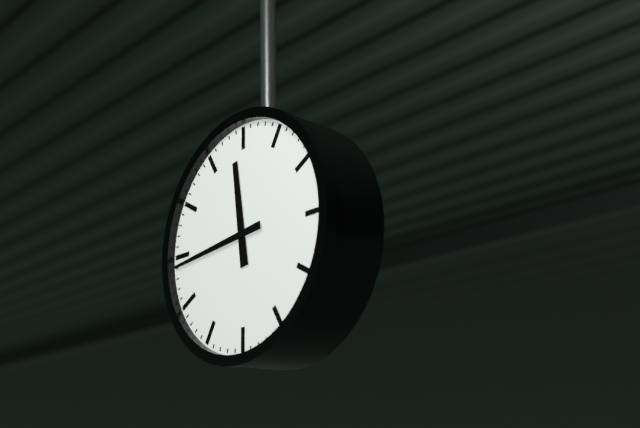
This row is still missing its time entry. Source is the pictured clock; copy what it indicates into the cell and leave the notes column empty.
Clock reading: 11:44
